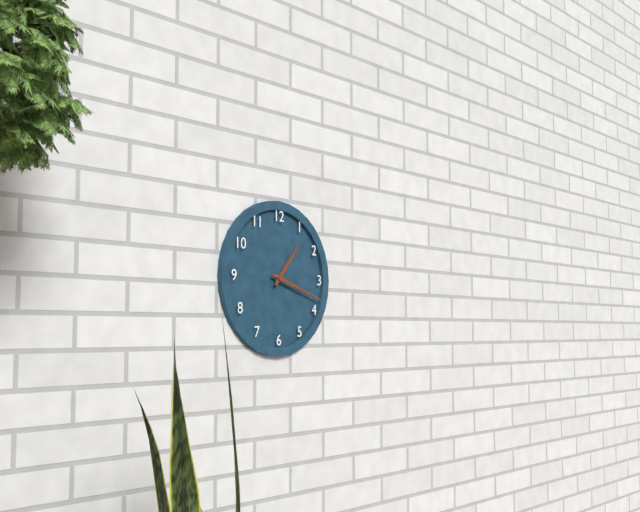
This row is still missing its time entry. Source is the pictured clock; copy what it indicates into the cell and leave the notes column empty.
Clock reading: 1:18
